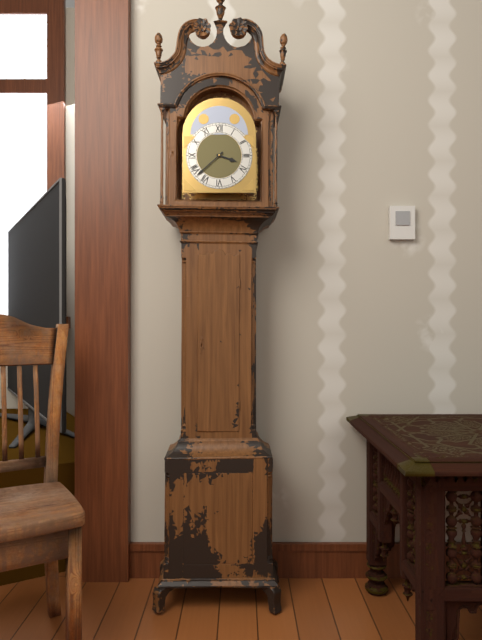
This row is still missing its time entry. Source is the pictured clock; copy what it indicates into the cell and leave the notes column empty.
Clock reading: 3:38
